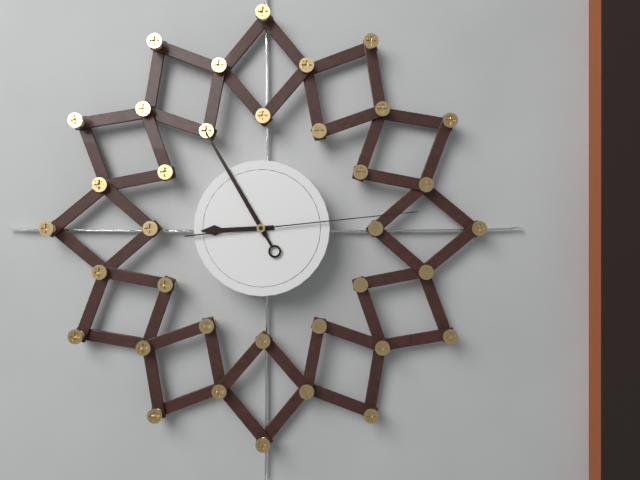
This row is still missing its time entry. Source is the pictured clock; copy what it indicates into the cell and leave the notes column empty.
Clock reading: 8:55:14
